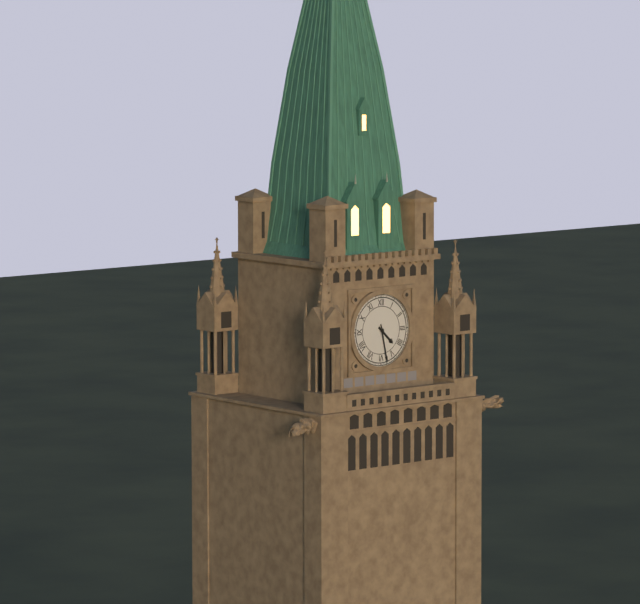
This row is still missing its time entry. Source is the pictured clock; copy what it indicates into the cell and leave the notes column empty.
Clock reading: 4:28
